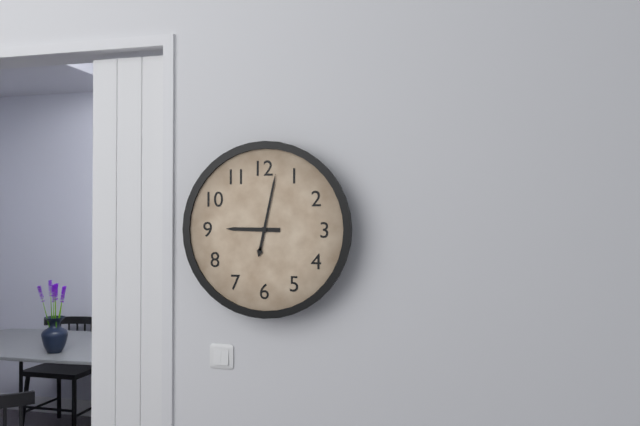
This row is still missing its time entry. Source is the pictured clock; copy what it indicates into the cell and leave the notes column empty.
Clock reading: 9:02
